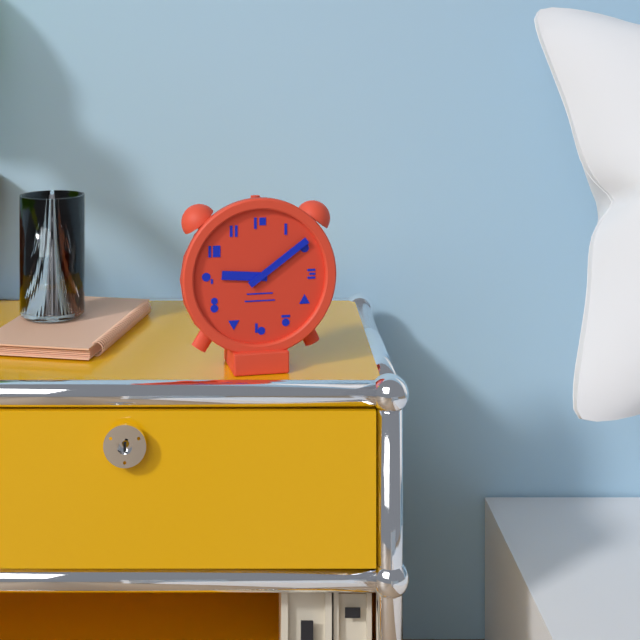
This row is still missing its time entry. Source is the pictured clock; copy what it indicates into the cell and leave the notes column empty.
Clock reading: 9:09
